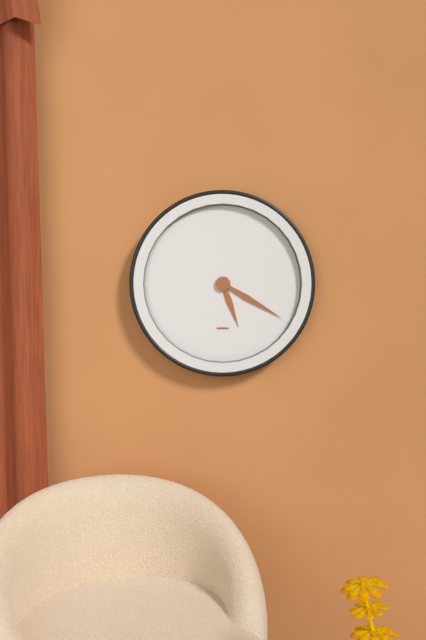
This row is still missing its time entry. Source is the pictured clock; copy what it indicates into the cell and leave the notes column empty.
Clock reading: 5:20
